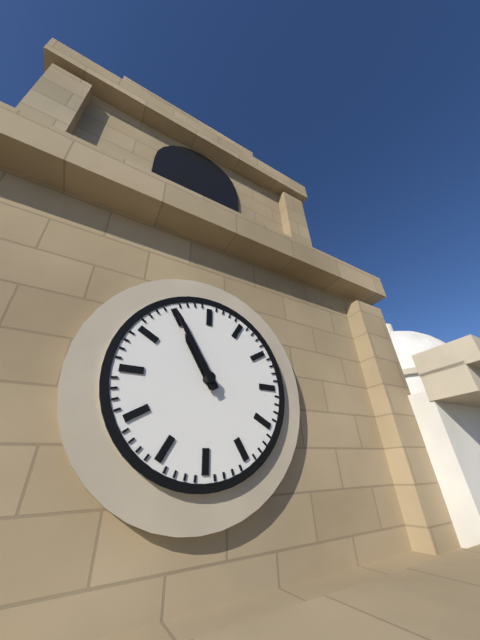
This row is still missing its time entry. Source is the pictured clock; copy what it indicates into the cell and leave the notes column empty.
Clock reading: 10:55
